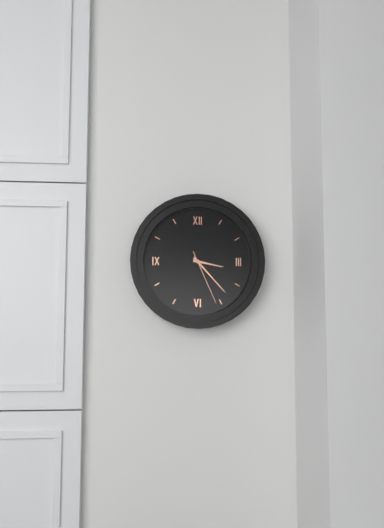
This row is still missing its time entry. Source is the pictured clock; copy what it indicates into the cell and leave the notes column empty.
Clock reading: 3:23:26
